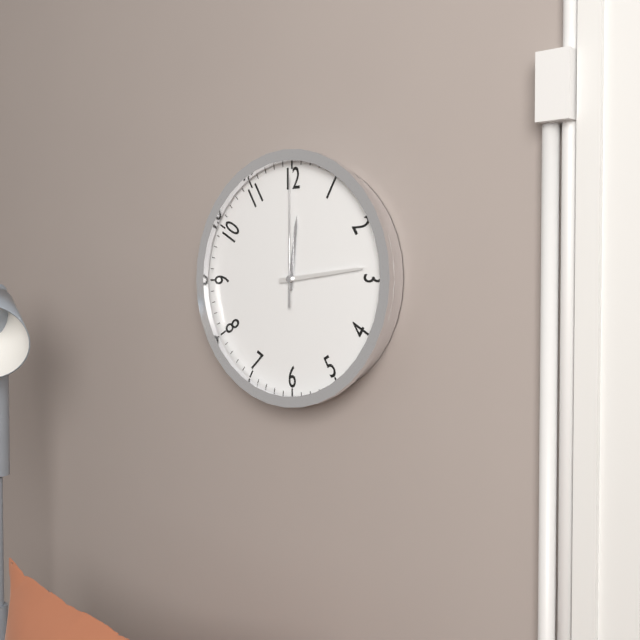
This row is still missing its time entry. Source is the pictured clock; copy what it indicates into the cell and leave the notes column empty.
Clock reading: 12:14:00
